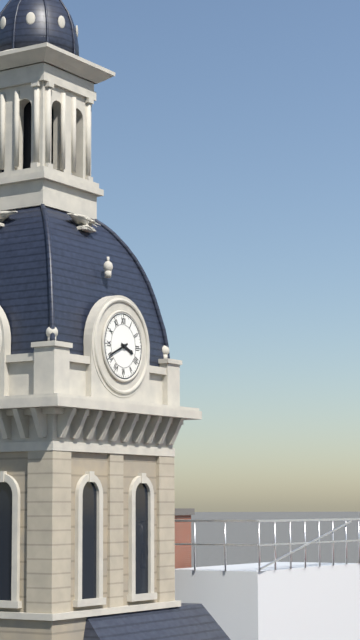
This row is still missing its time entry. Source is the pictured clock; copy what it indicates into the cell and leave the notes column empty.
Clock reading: 3:41
